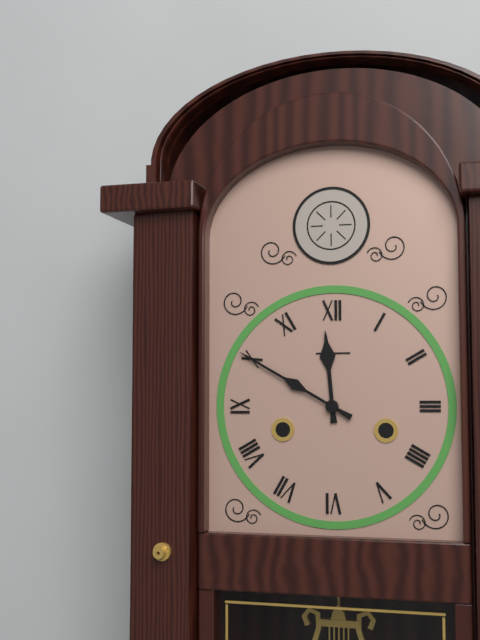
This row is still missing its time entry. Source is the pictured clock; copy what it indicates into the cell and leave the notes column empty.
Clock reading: 11:50
